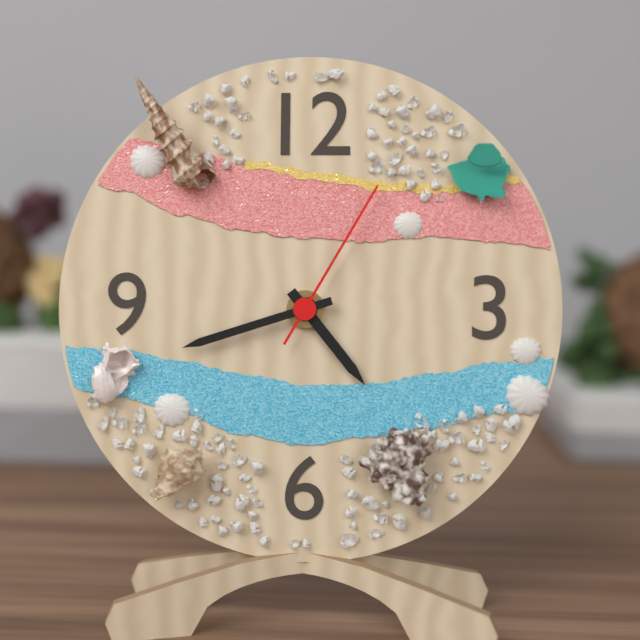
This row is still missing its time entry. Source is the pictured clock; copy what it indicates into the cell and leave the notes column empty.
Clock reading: 4:42:05
